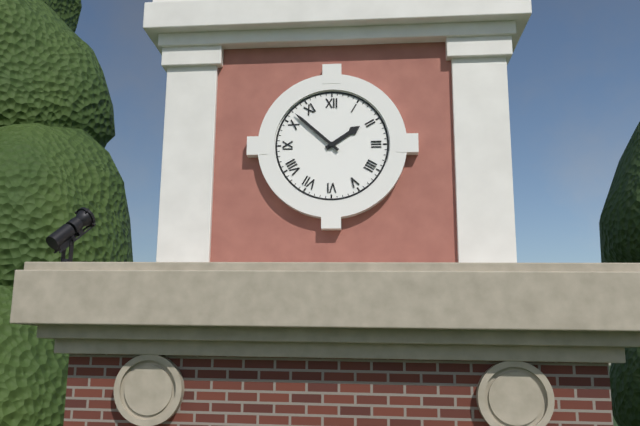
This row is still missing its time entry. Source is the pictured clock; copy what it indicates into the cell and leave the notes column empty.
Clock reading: 1:52
